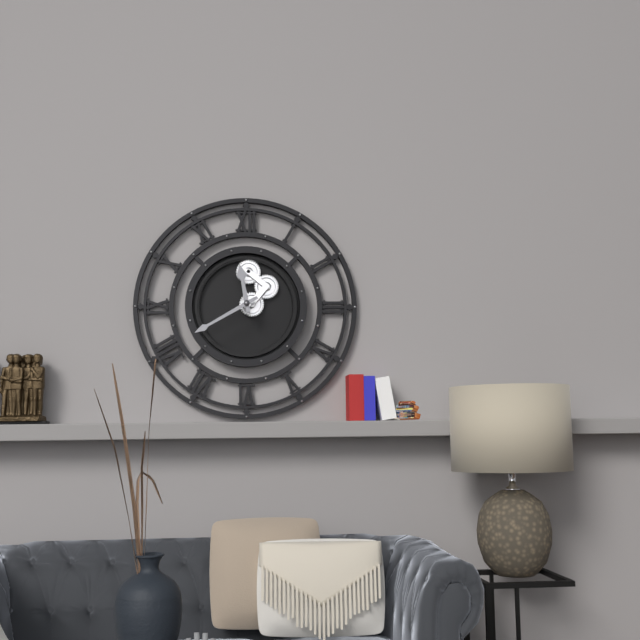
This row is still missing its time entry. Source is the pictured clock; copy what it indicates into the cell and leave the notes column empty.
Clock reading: 11:40
